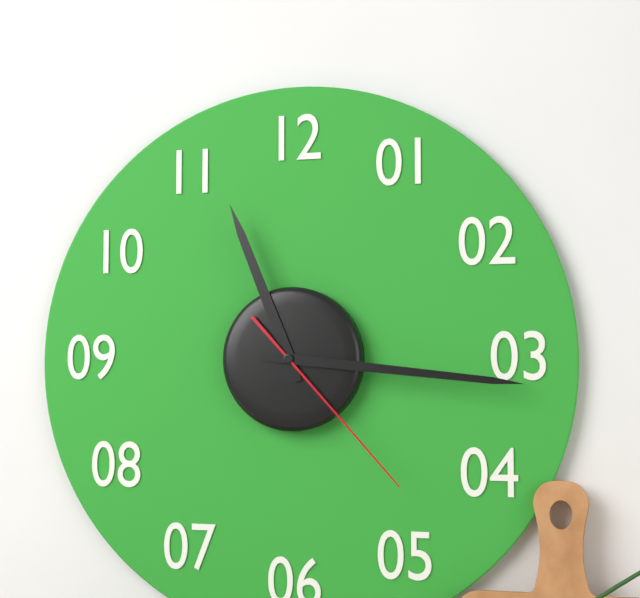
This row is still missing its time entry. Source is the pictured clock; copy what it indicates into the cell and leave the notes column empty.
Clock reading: 11:16:23
